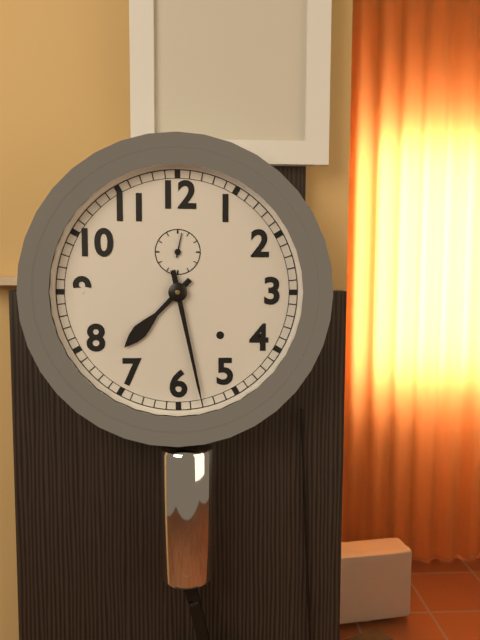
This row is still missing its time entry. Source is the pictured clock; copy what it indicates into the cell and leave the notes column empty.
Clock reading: 7:28
